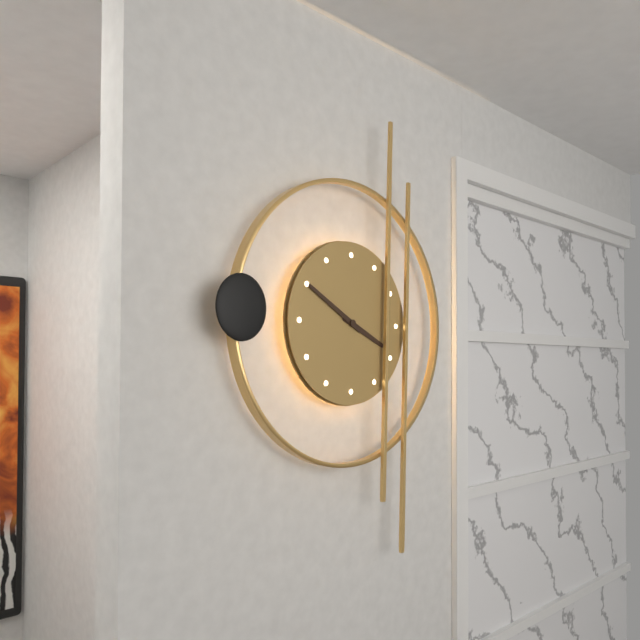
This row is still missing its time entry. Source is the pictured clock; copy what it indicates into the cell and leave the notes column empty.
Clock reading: 3:50
